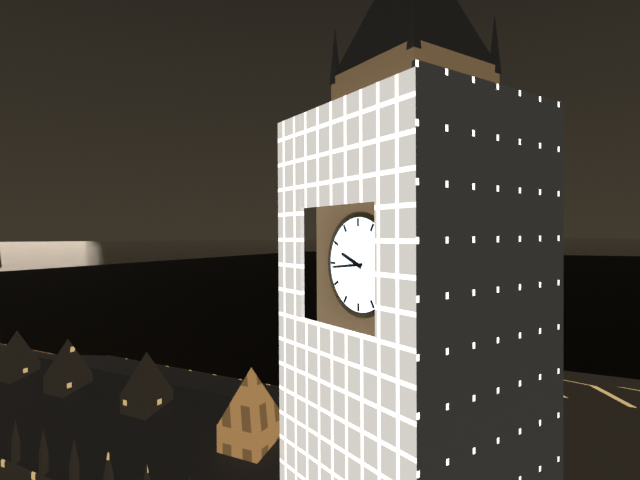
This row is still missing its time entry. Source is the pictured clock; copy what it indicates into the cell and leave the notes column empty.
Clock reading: 9:44
